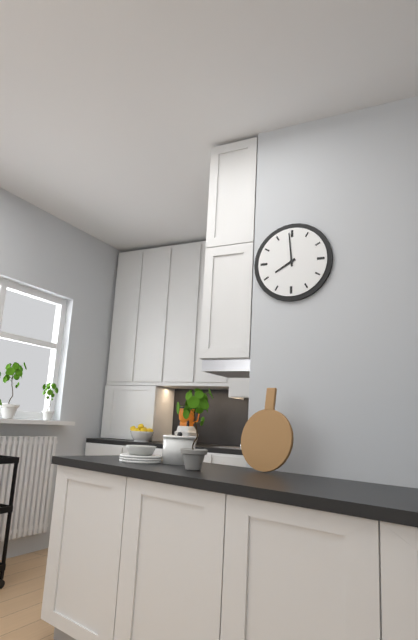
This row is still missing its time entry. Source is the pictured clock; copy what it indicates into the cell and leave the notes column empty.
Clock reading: 7:59
